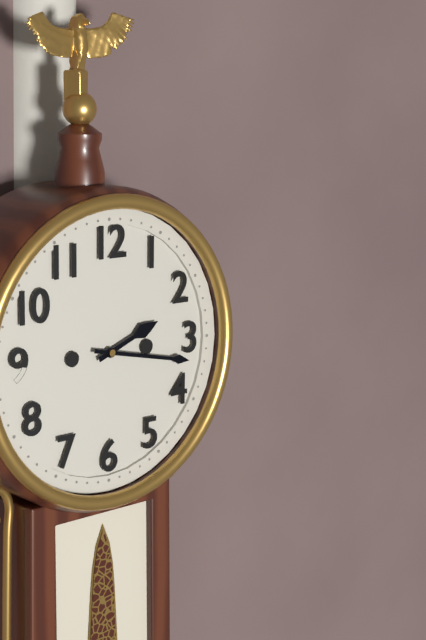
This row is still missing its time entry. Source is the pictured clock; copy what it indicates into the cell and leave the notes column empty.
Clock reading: 2:17
